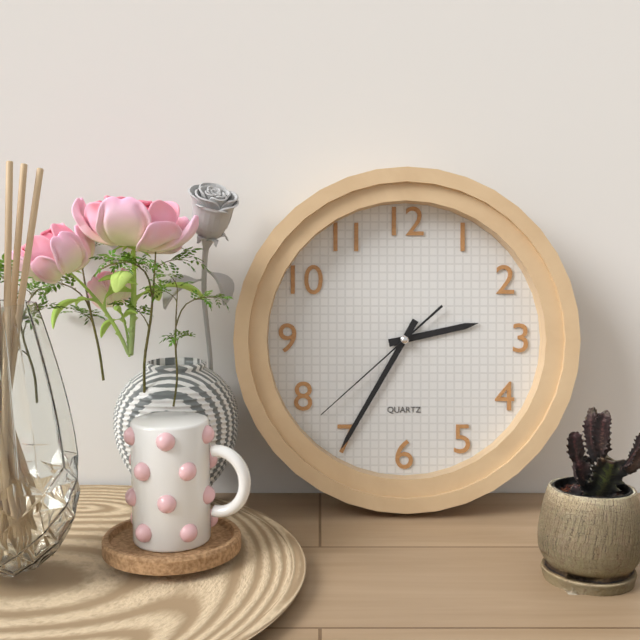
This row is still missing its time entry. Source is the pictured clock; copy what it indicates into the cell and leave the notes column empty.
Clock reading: 2:35:38
